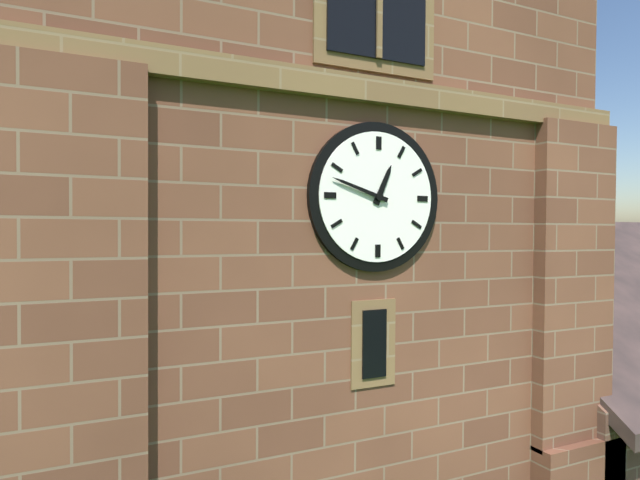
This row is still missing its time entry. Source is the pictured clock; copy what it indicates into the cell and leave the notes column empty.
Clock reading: 12:48
